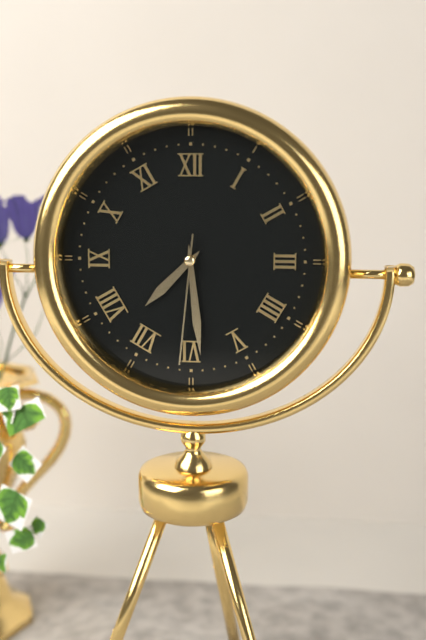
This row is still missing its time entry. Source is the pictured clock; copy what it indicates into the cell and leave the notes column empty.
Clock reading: 7:29:31
